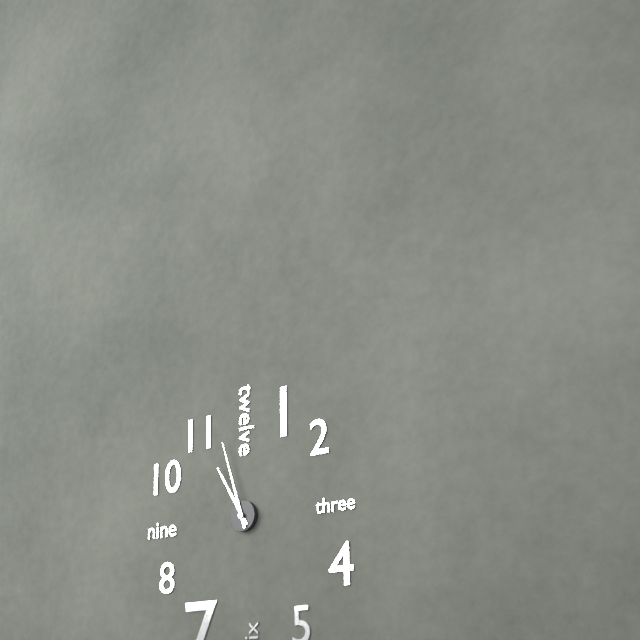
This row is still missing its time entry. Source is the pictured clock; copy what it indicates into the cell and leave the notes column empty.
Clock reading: 10:57
